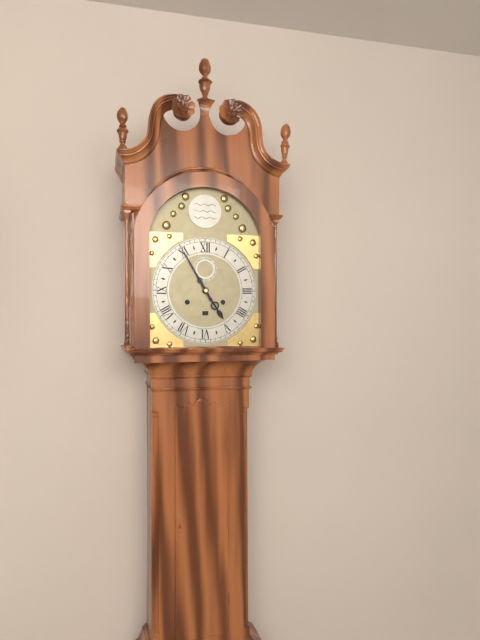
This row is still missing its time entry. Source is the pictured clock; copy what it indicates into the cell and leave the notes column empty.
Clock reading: 4:55
